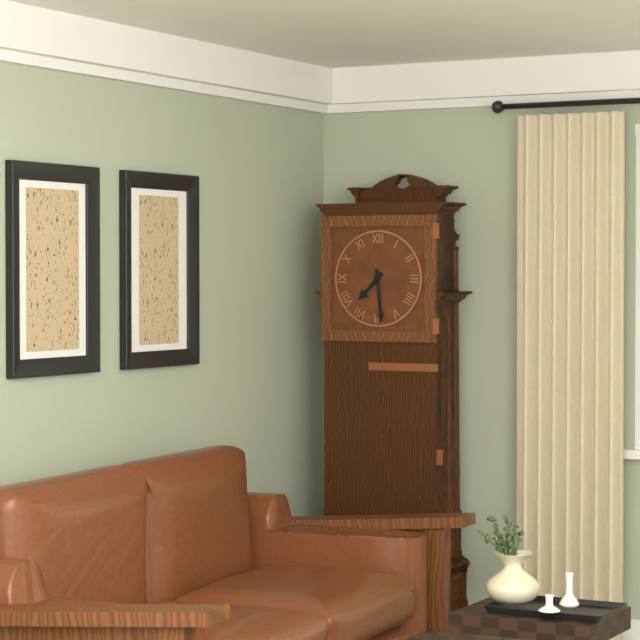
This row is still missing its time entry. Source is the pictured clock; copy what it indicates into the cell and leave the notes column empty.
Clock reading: 7:29
